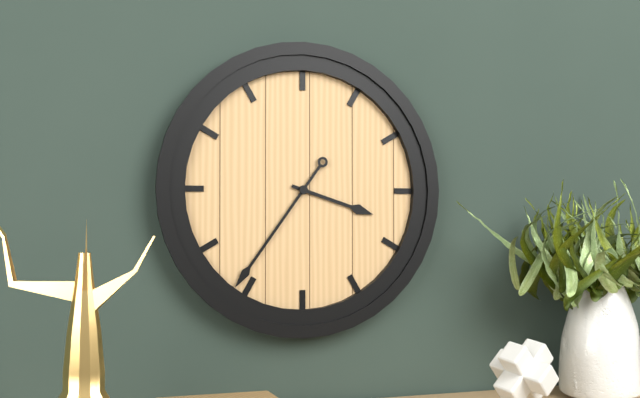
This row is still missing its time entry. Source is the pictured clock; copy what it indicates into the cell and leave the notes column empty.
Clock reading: 3:36
